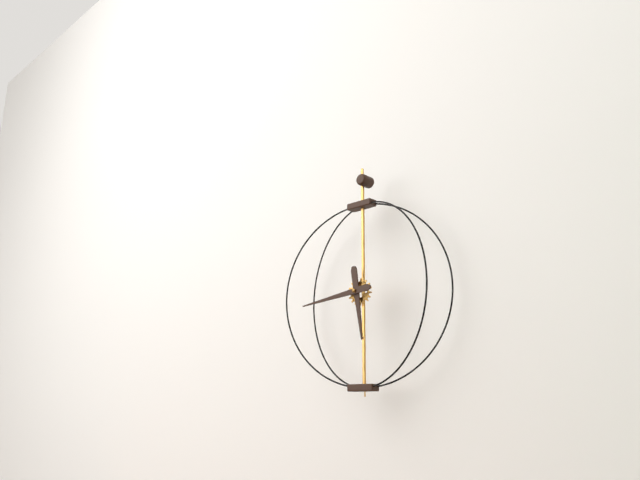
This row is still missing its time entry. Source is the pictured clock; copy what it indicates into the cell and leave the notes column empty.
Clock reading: 5:44
